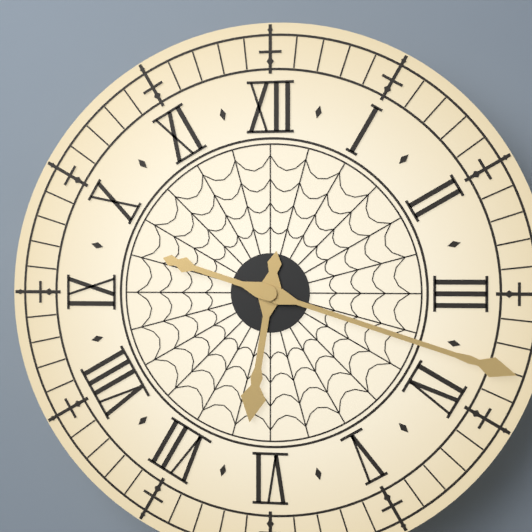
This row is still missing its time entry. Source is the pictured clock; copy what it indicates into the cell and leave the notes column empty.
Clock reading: 6:18
